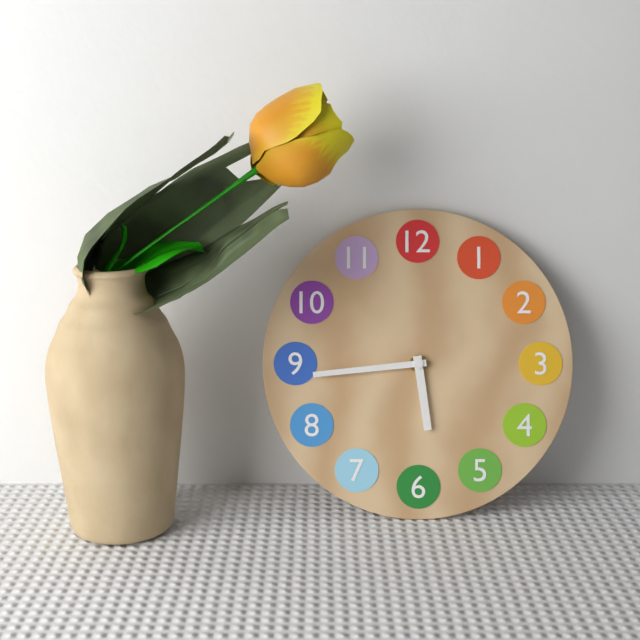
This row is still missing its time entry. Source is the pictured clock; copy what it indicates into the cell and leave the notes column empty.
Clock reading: 5:44
